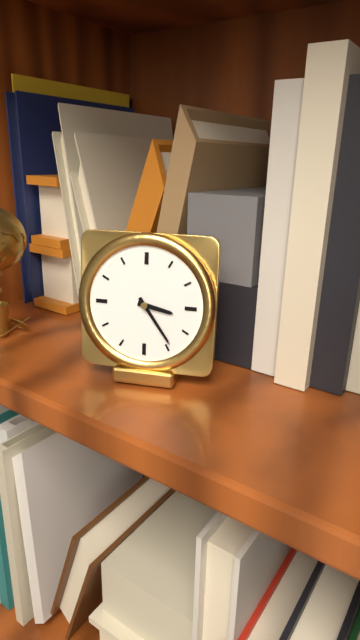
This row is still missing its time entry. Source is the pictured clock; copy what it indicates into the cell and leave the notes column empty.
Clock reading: 3:24
